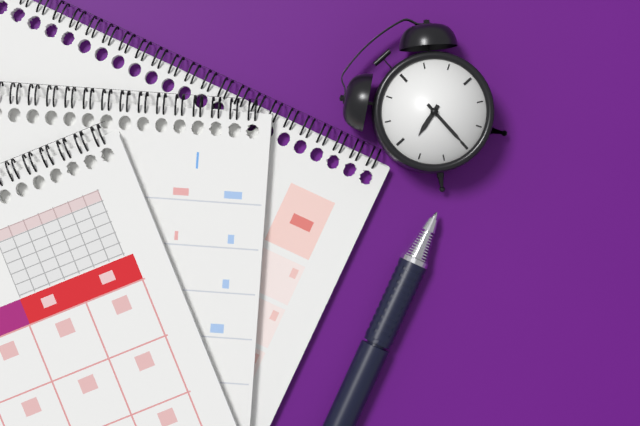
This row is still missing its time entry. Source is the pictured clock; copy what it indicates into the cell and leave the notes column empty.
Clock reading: 8:30
